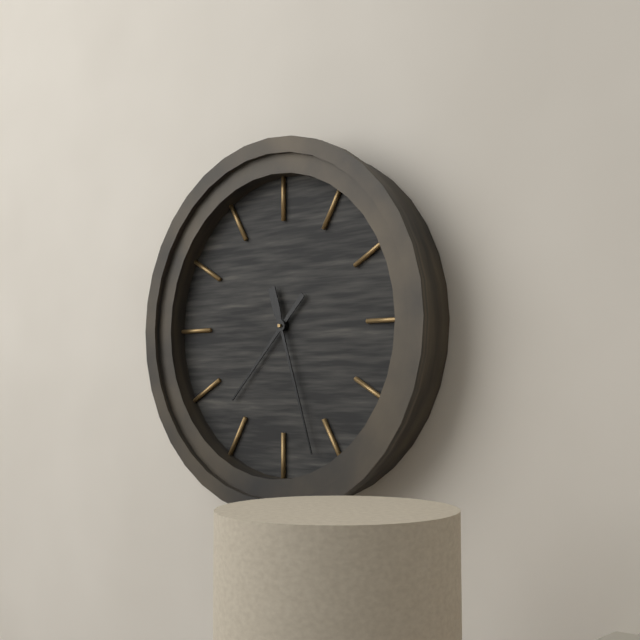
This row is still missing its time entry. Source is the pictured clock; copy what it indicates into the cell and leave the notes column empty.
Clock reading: 7:27
